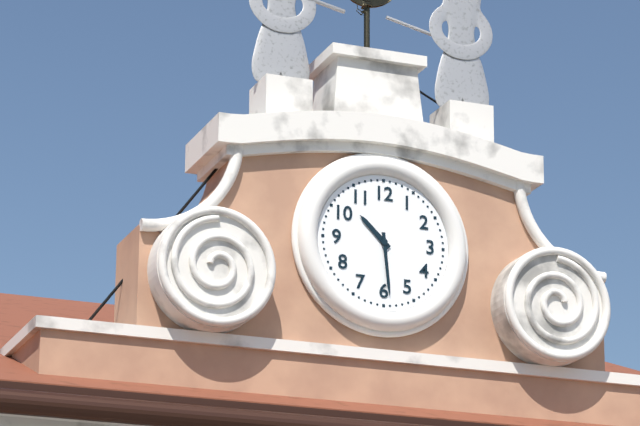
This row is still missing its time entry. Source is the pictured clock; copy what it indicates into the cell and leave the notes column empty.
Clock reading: 10:29
